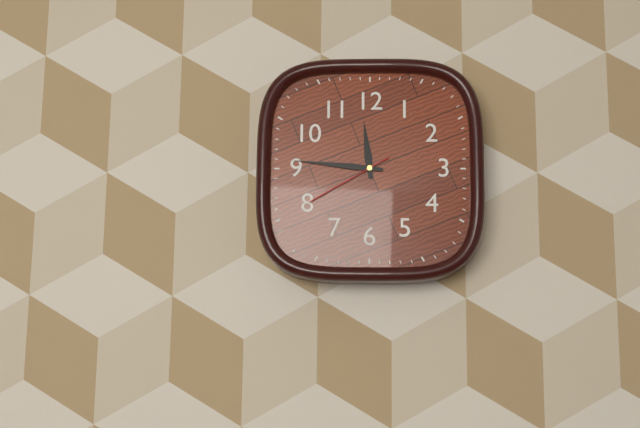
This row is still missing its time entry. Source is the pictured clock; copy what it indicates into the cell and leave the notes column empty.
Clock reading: 11:46:40
